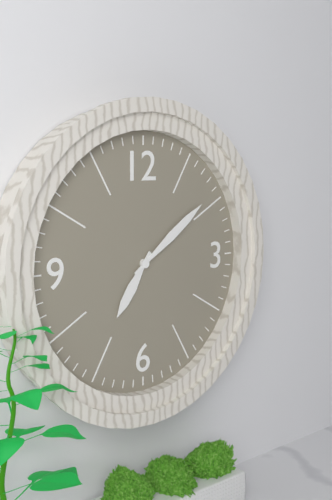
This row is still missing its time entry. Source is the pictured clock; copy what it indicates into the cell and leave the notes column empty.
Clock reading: 7:09
